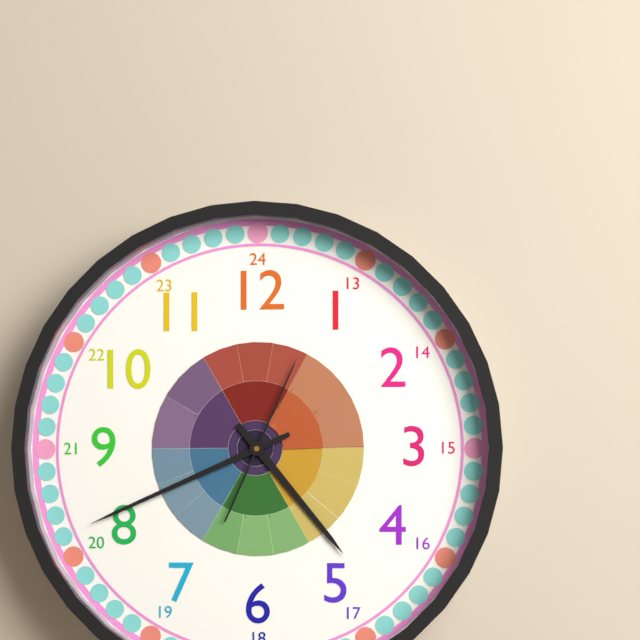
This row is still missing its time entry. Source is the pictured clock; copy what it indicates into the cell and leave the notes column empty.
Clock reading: 4:41:04
